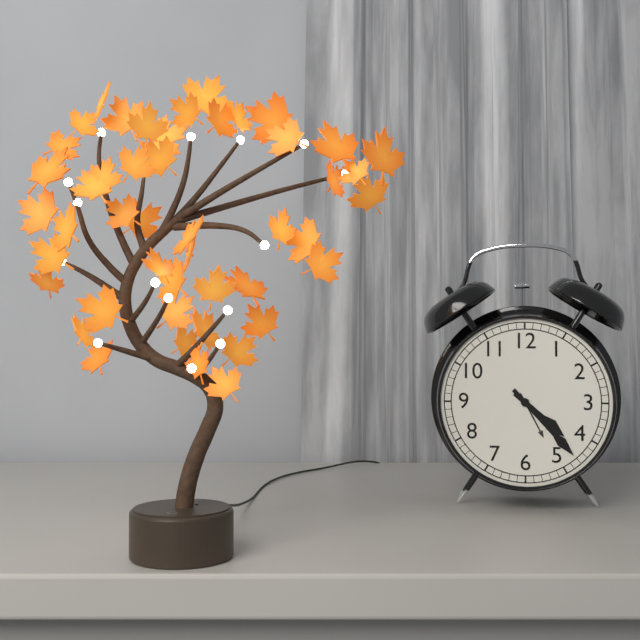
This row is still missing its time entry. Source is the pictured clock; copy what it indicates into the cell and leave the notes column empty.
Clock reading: 4:23
